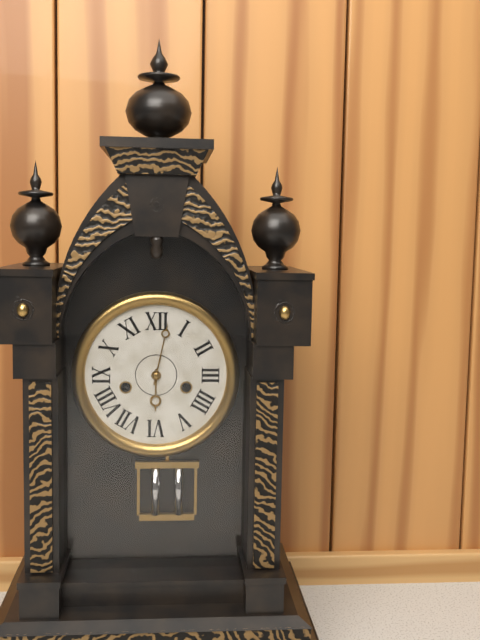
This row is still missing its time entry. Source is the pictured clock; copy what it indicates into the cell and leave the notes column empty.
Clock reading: 6:02
